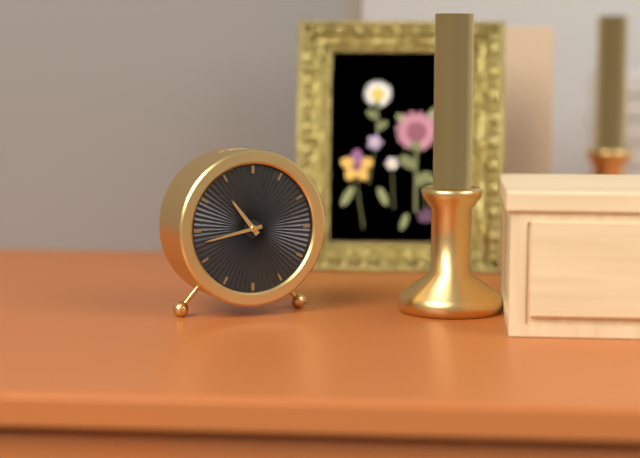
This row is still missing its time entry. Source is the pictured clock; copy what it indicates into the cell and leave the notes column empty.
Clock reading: 10:43
